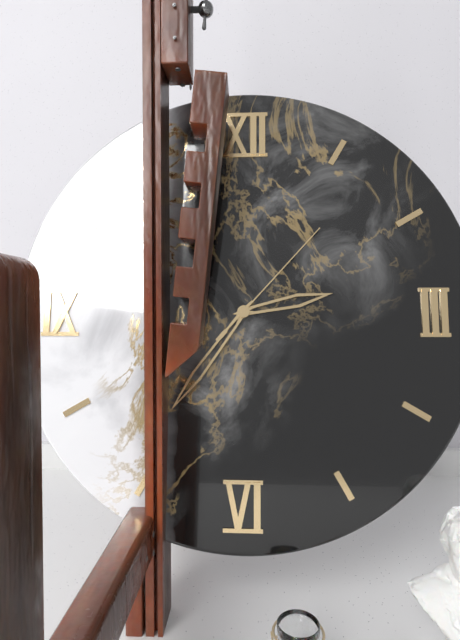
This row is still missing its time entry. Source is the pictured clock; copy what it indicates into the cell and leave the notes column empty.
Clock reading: 2:36:07
